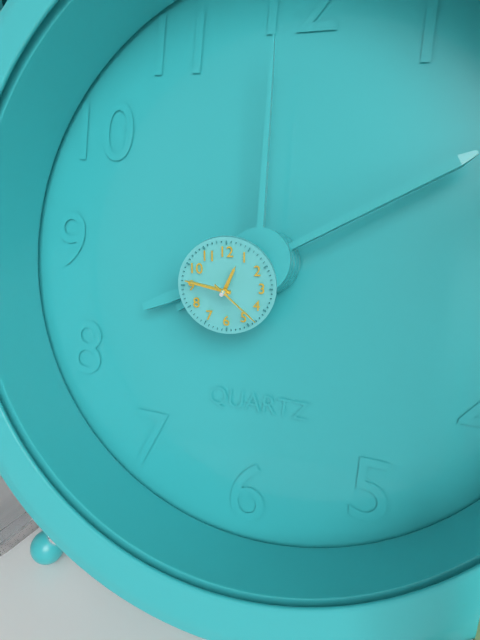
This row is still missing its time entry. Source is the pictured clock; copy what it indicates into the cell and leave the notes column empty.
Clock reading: 12:47:22
